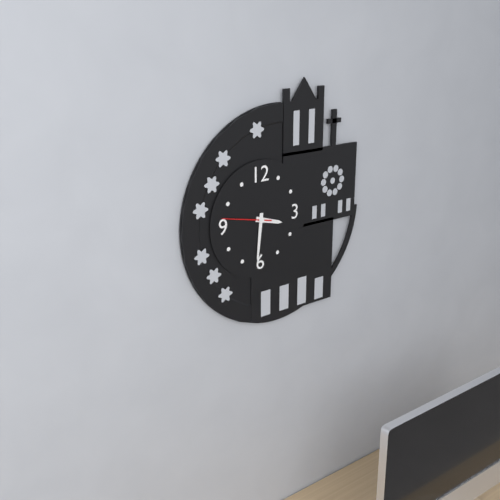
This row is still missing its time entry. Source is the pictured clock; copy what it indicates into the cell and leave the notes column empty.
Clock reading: 3:31
